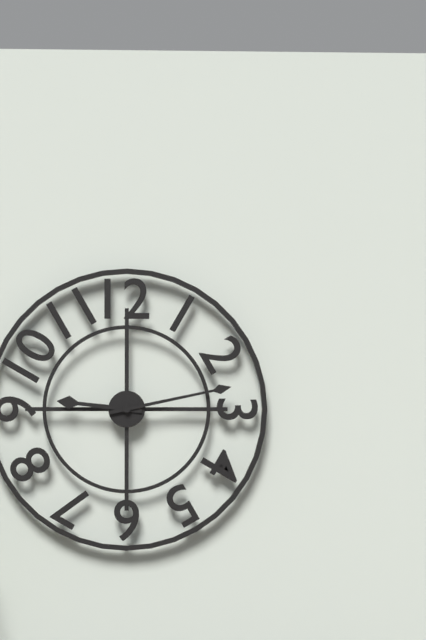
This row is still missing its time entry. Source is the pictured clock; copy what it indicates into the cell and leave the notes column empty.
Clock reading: 9:13
